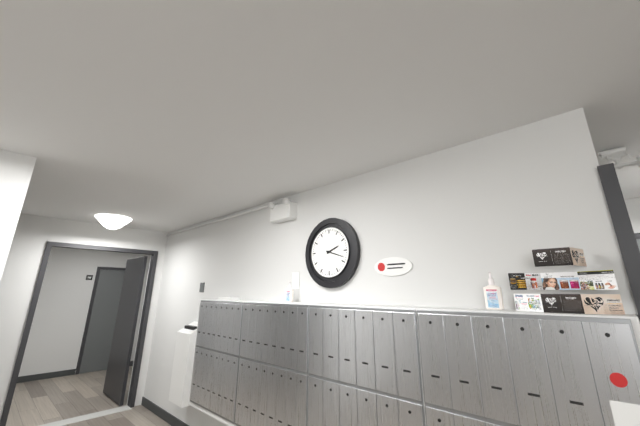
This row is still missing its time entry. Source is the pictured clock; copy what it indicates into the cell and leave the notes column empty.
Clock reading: 2:18
